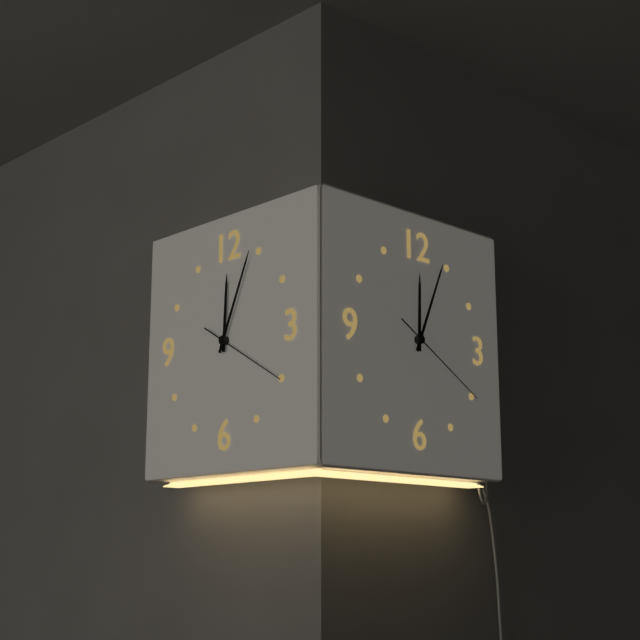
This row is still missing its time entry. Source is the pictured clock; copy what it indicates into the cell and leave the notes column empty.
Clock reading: 12:04:20
